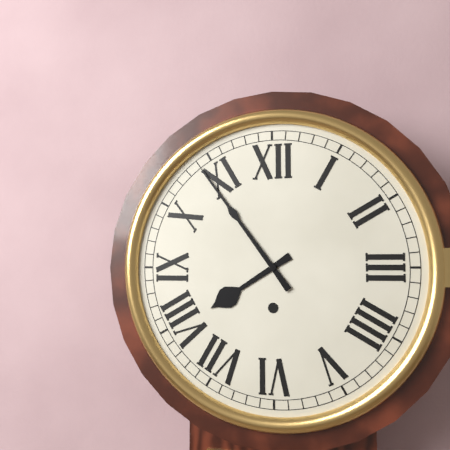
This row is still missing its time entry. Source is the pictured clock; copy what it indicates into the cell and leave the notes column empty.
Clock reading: 7:54
